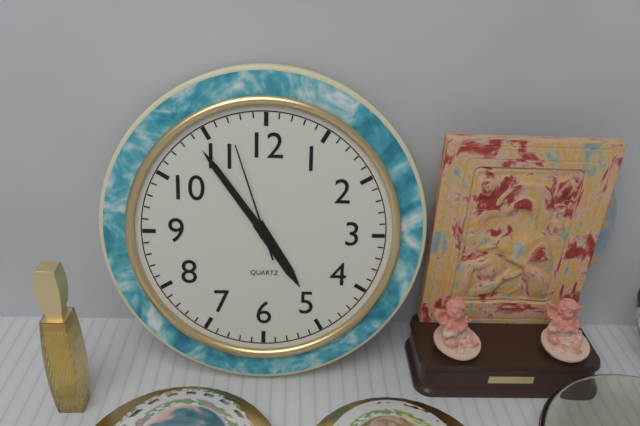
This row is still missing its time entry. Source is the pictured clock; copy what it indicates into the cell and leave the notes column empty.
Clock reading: 4:54:57
